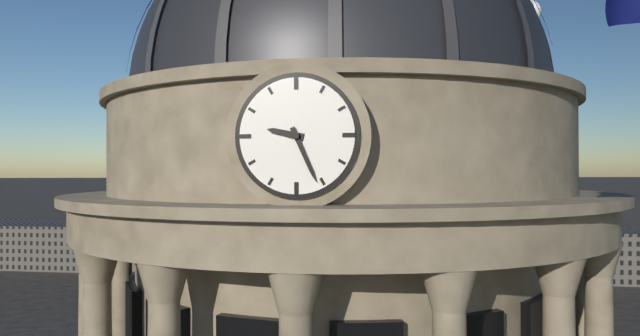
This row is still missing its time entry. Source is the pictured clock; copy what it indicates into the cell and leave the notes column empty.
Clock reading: 9:26
